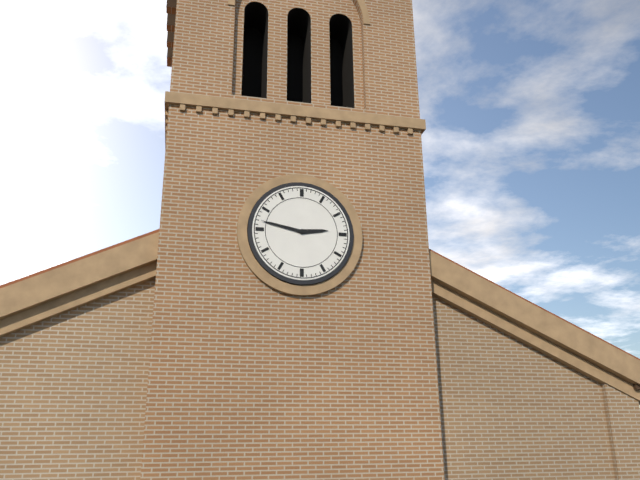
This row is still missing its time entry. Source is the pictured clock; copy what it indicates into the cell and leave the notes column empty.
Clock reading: 2:47
